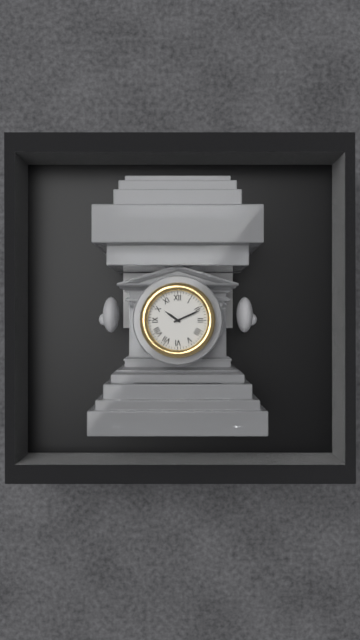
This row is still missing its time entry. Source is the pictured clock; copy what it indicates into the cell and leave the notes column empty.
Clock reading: 10:11
